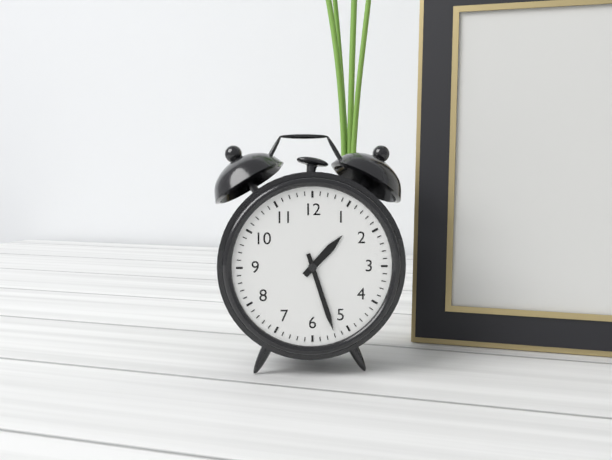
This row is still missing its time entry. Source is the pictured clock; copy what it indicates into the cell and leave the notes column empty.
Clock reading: 1:27
